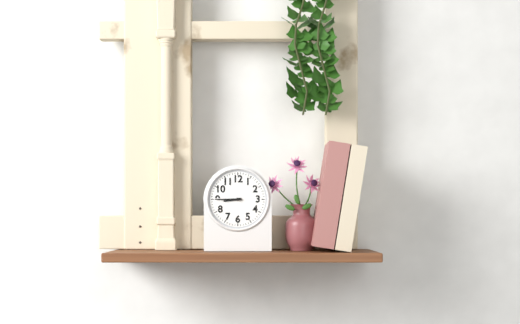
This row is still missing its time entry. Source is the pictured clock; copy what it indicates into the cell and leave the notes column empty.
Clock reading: 8:45
